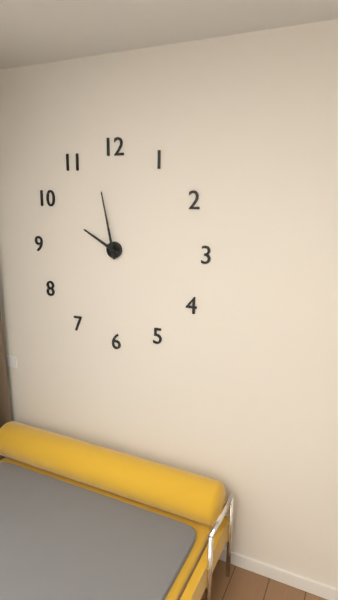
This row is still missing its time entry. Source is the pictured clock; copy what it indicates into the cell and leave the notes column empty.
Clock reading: 9:58
